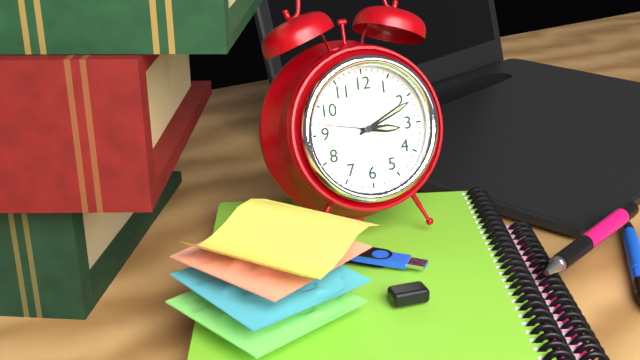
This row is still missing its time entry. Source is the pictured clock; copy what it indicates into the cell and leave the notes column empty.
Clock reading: 3:11:47
